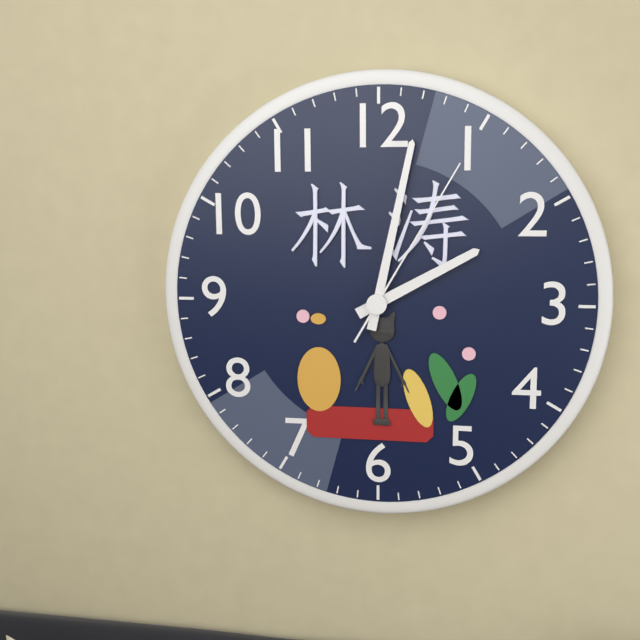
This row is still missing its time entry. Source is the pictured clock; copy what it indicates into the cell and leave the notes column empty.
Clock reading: 2:02:05
